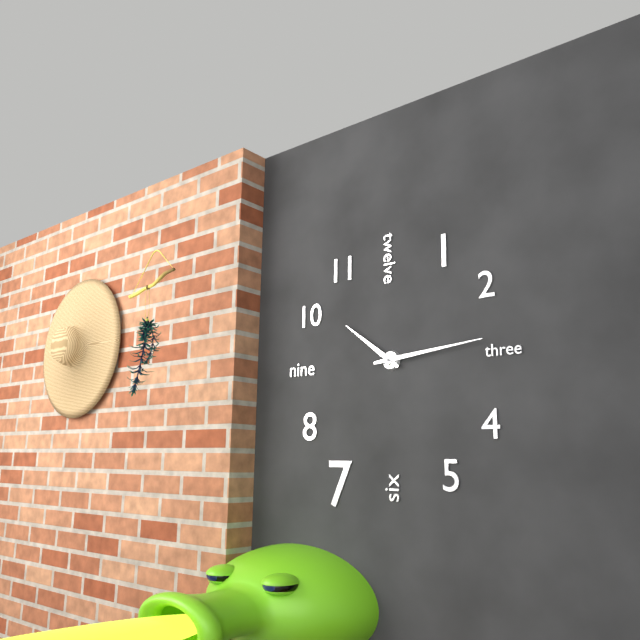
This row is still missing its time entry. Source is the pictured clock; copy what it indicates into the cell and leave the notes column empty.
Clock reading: 10:14
